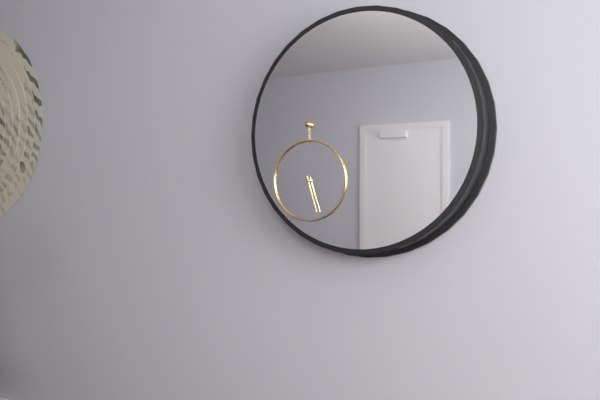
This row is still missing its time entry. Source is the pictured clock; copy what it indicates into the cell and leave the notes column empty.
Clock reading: 5:27
